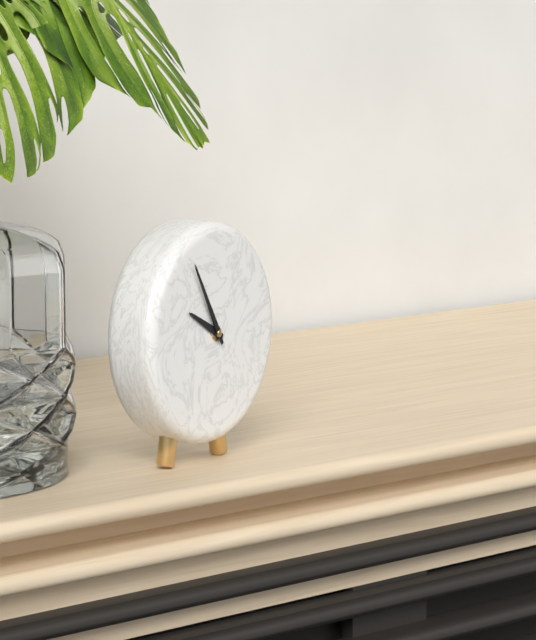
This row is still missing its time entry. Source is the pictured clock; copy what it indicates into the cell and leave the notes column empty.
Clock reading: 9:55
